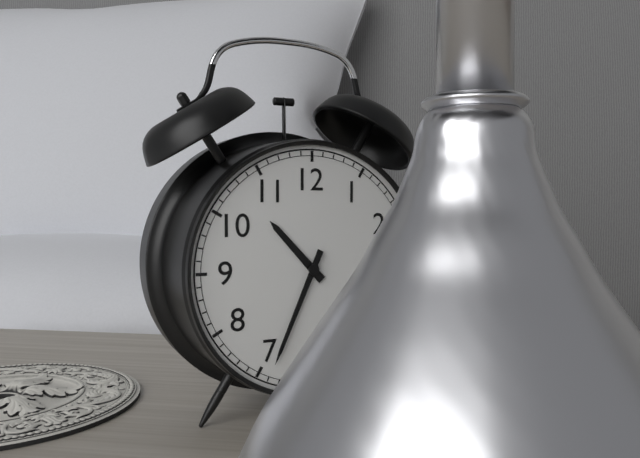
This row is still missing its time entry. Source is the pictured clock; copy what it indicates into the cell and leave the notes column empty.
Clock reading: 10:34
